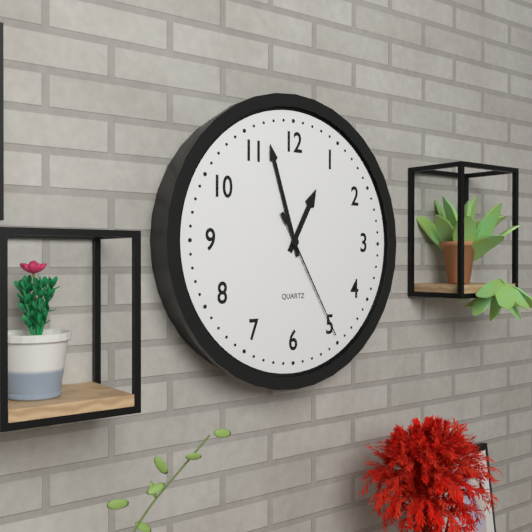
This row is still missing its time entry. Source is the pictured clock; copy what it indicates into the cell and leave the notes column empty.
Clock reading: 12:57:25
